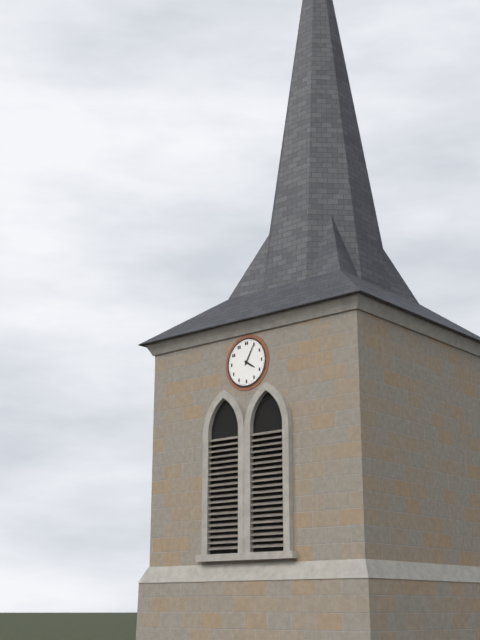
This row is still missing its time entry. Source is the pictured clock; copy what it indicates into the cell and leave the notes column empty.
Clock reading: 4:05
